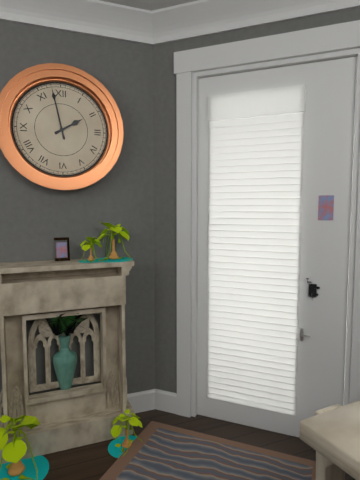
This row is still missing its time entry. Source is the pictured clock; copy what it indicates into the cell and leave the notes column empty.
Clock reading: 1:58
